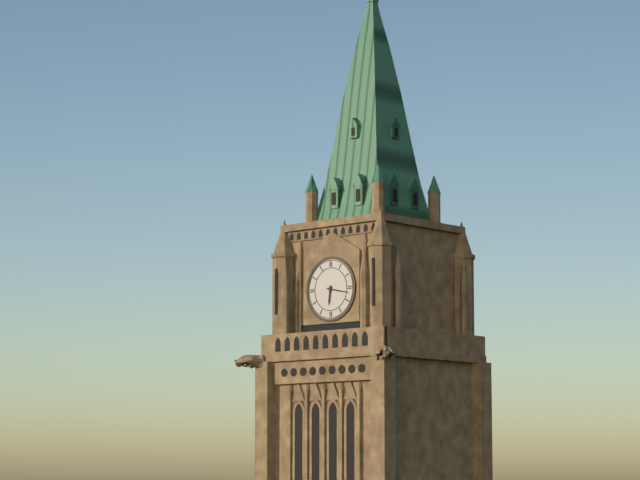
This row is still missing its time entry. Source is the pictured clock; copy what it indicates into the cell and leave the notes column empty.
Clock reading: 6:17
